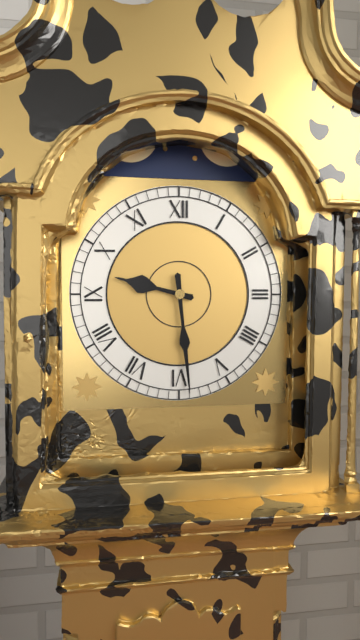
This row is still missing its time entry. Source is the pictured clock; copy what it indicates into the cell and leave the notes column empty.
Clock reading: 9:29
